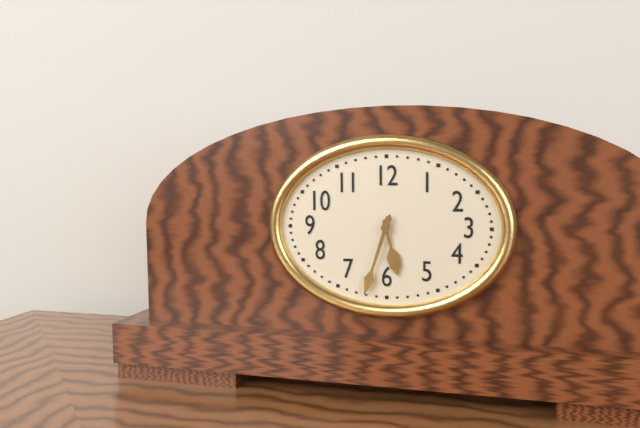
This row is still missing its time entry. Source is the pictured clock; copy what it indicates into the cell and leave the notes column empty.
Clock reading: 5:33
